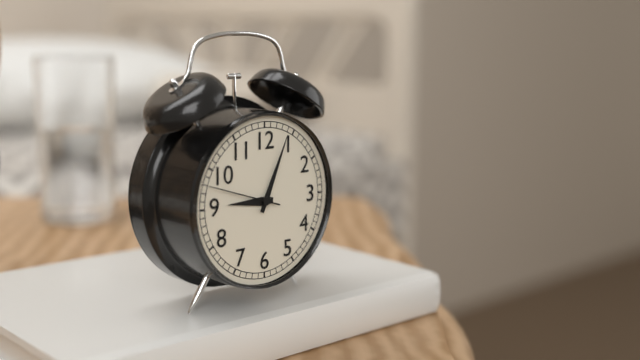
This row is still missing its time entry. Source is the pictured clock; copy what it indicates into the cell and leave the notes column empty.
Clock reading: 9:04:48
